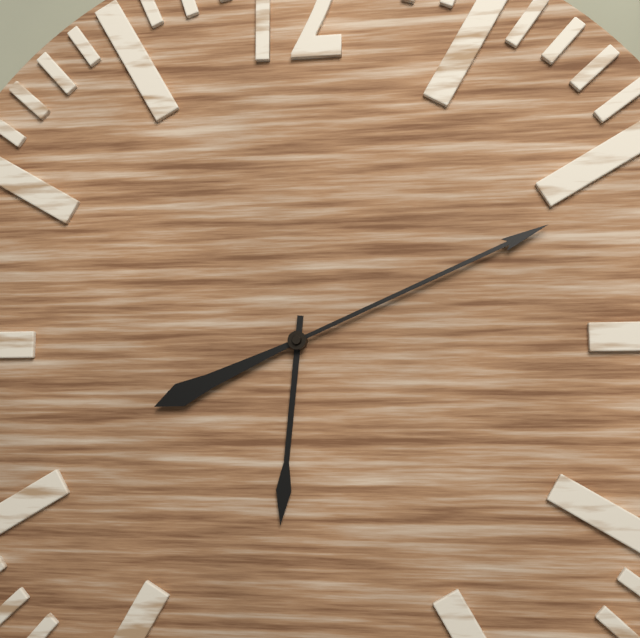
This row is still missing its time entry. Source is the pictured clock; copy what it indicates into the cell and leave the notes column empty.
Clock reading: 6:11
